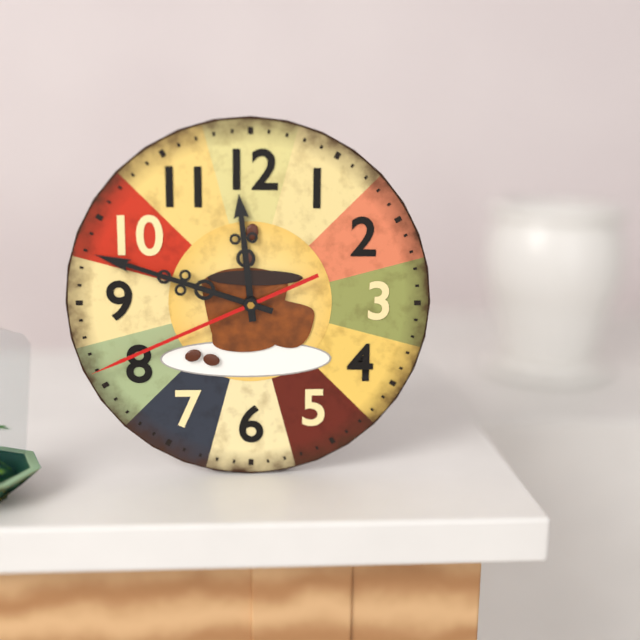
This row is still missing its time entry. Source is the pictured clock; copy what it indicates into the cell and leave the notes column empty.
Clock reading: 11:48:41
